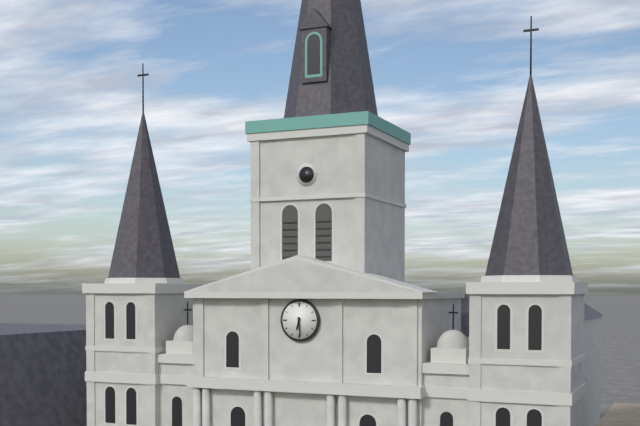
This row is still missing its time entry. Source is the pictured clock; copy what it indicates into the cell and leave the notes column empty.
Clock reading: 6:29
